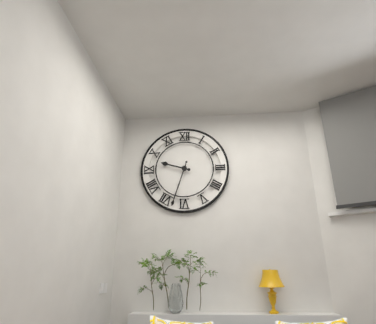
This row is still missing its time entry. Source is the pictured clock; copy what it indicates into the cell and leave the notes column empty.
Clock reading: 9:33
